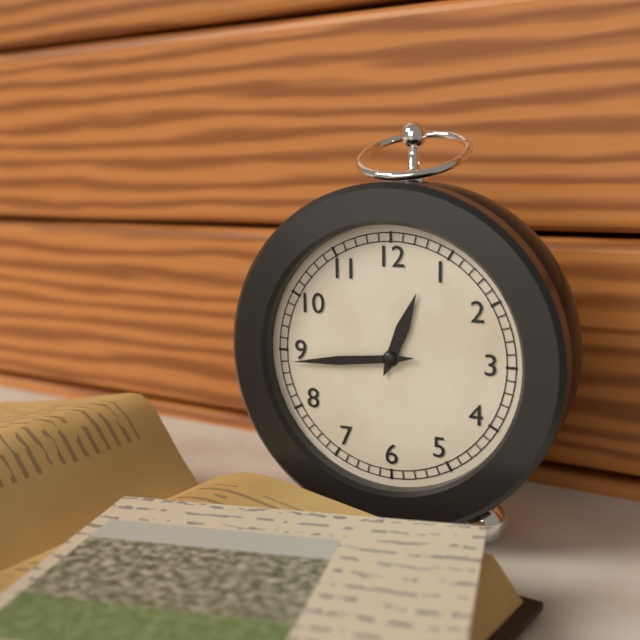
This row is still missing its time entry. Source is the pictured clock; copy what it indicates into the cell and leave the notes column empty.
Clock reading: 12:44
